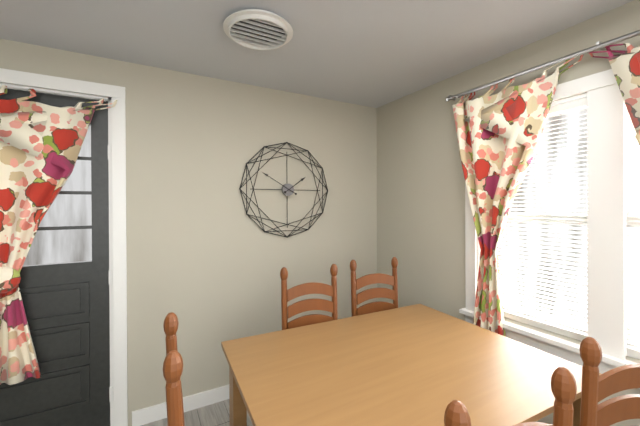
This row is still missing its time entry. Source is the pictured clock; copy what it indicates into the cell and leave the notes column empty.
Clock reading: 1:50
